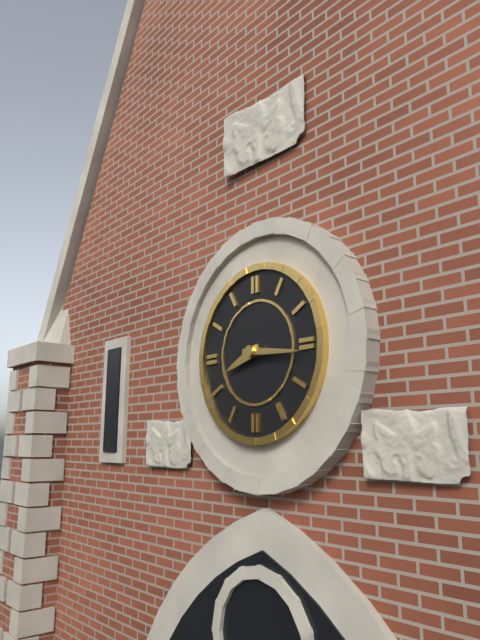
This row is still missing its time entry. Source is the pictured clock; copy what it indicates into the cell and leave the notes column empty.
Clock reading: 8:16
